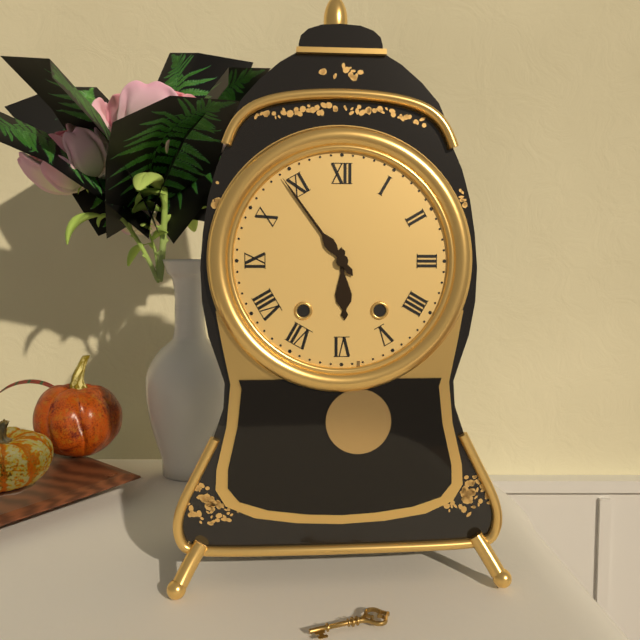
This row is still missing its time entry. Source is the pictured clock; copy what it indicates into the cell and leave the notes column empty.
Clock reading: 5:54
